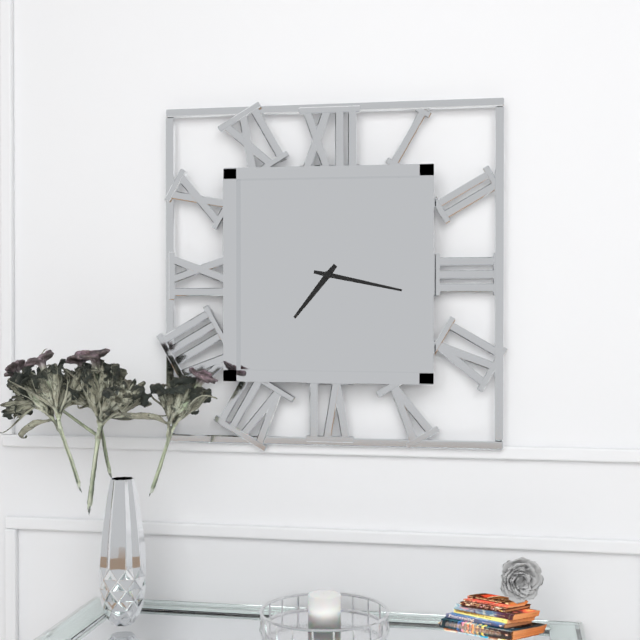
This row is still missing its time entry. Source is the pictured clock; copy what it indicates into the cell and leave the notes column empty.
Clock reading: 7:17
